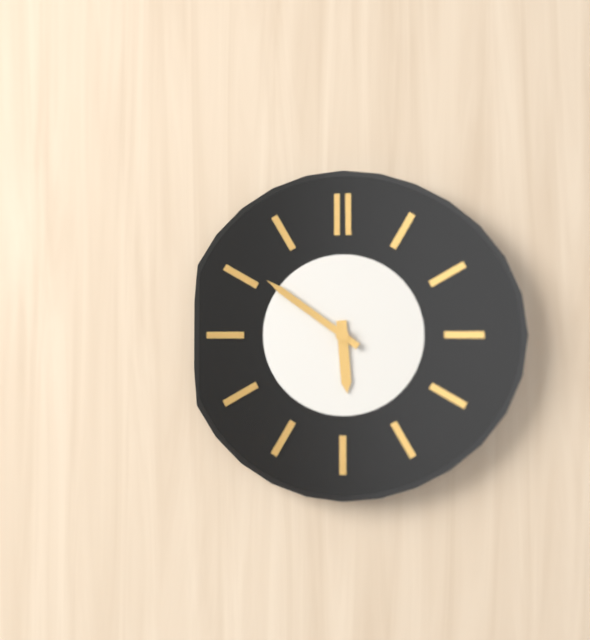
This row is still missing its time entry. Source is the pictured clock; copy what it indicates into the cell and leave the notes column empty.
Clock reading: 5:51
